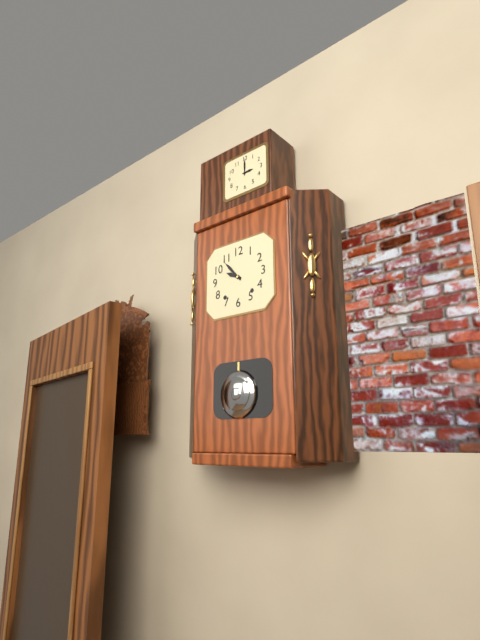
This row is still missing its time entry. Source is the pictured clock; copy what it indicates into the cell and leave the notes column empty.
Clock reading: 9:53
